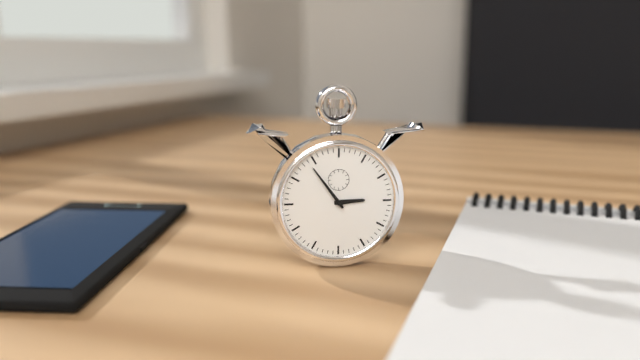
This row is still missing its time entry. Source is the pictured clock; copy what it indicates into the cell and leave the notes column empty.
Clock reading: 2:54
